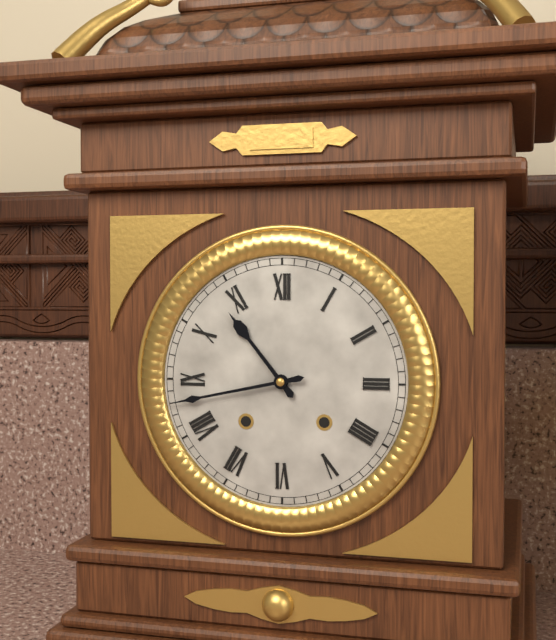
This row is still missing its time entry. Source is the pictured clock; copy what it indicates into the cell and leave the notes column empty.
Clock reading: 10:43
